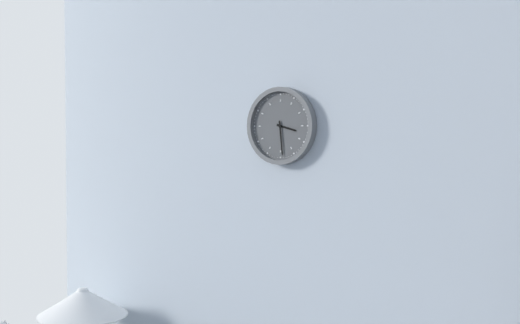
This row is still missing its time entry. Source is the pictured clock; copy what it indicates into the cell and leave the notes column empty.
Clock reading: 3:29
